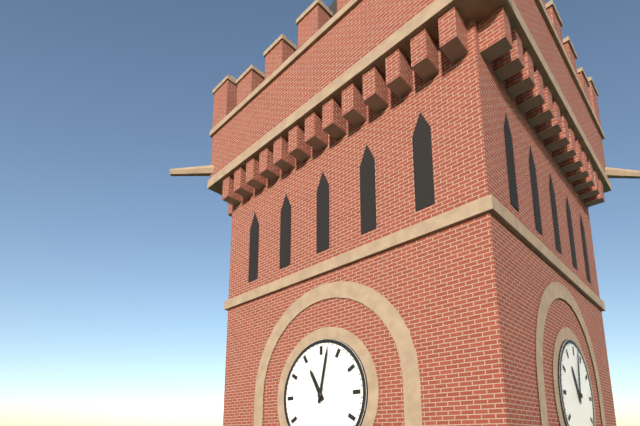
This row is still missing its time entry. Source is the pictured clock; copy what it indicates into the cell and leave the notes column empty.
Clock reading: 11:02
